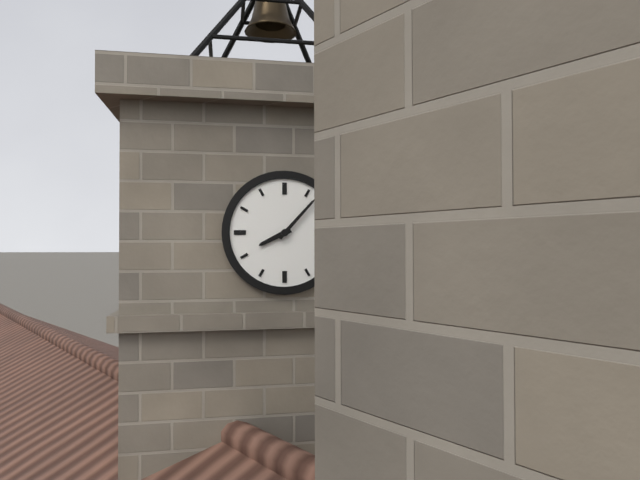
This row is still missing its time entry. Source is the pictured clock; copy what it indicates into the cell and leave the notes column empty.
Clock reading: 8:07
